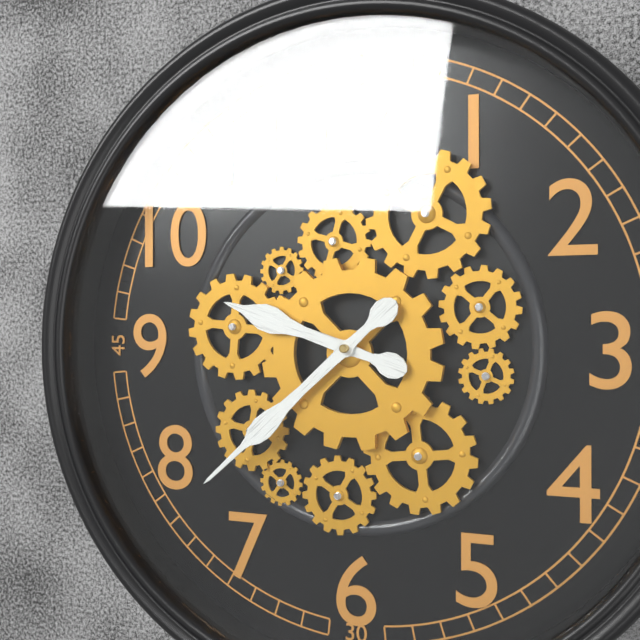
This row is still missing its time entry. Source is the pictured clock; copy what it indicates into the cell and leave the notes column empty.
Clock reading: 9:38
